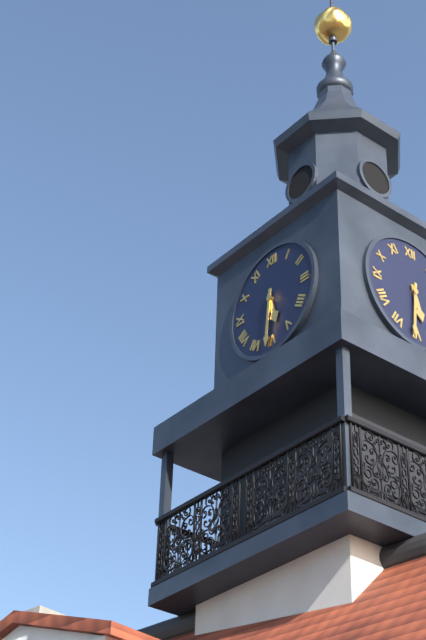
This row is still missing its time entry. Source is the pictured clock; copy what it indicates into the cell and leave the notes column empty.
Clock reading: 5:31
